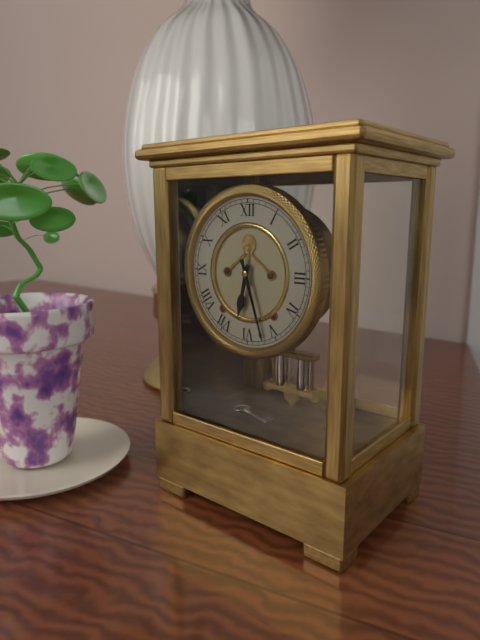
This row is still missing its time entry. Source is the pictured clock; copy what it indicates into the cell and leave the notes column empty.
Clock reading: 6:27
